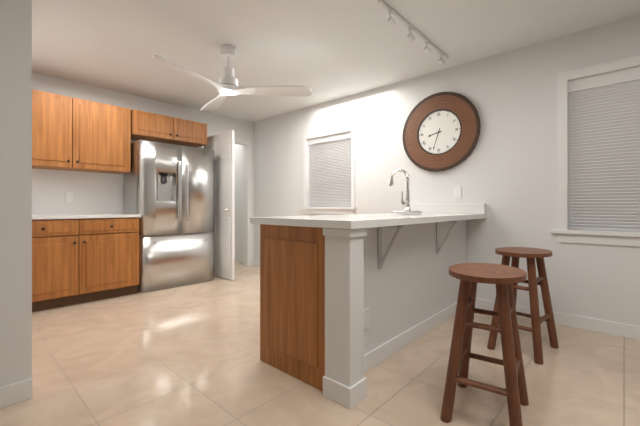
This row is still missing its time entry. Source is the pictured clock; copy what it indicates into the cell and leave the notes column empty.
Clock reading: 8:33
